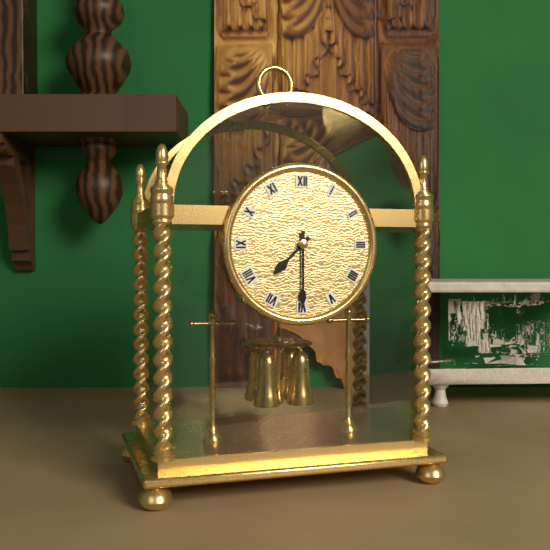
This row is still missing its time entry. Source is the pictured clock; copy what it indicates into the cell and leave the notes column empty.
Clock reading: 7:30
